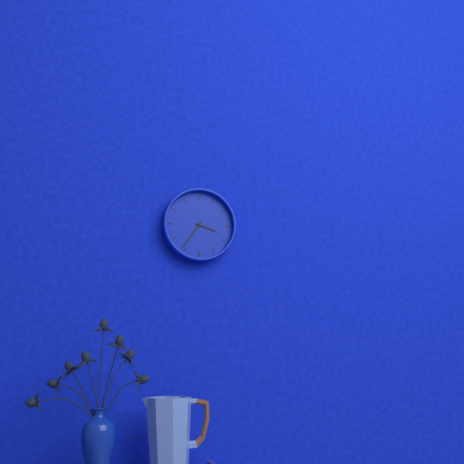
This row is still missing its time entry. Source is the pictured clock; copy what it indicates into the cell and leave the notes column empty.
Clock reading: 3:36
